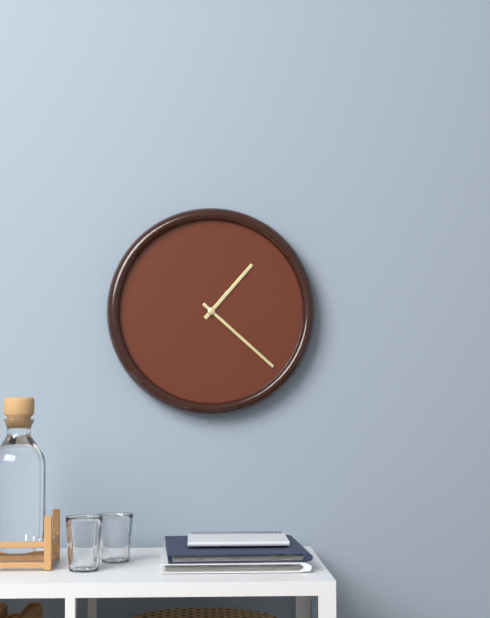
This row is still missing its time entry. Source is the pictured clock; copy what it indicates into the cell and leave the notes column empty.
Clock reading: 1:22
